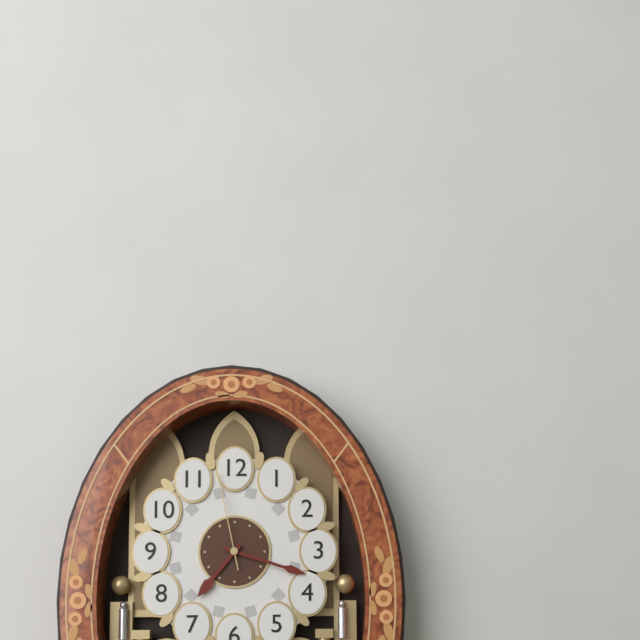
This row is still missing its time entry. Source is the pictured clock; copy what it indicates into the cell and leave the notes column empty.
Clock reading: 7:18:58
